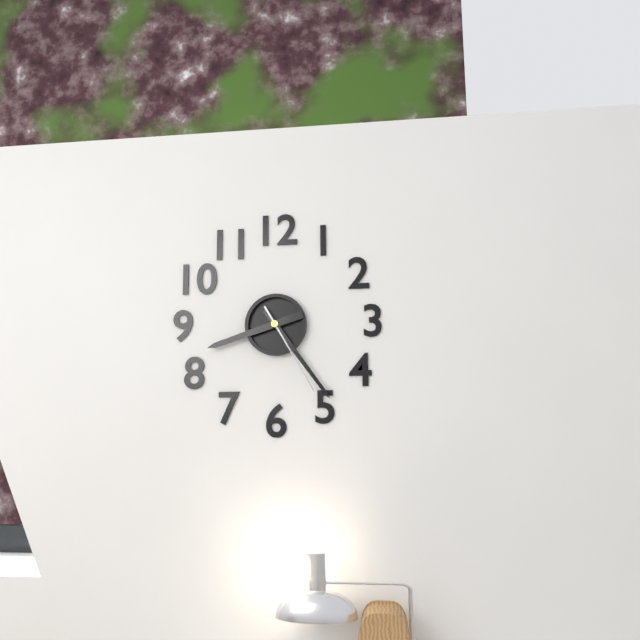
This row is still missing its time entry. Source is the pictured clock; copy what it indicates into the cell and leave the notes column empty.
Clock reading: 8:24:25
